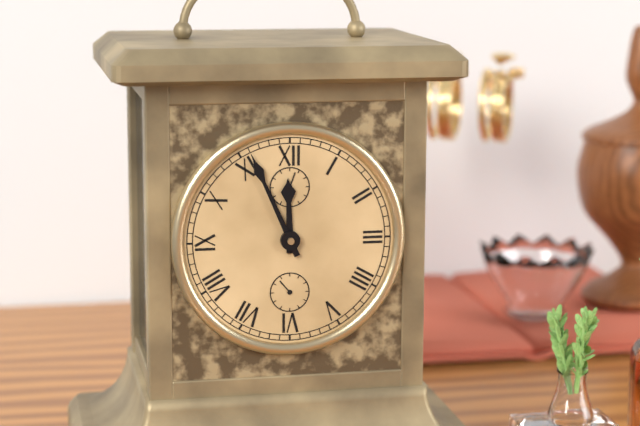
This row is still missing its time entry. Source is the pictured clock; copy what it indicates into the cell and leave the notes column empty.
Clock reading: 11:56
